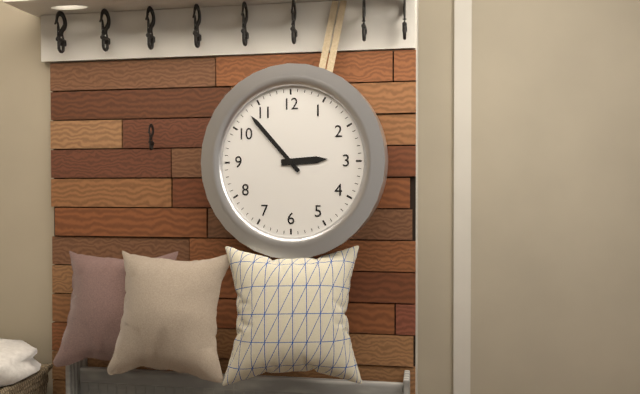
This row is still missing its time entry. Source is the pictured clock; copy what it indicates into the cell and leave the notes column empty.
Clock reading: 2:53
